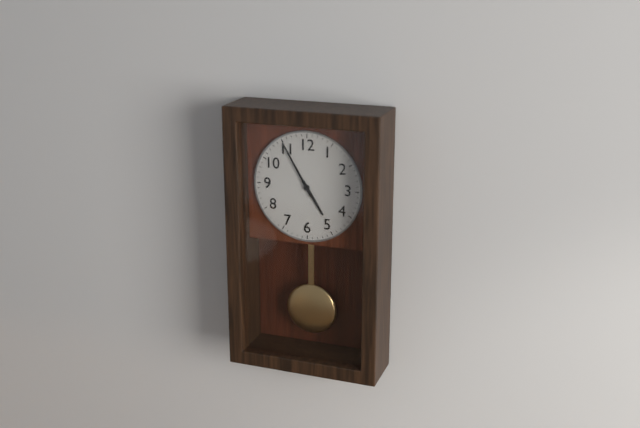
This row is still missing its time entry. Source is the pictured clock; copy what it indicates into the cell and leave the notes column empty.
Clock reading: 4:55
